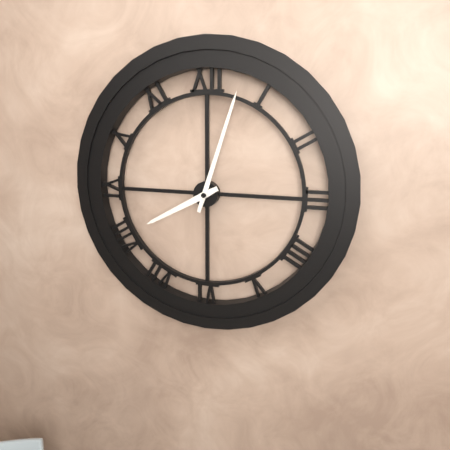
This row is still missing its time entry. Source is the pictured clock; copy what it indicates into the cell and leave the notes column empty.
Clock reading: 8:03
